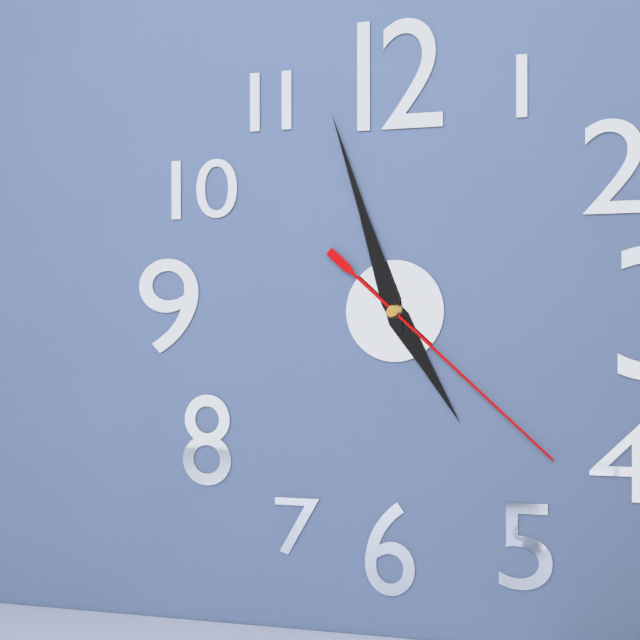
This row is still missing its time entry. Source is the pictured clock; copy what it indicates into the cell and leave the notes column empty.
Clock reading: 4:57:22
